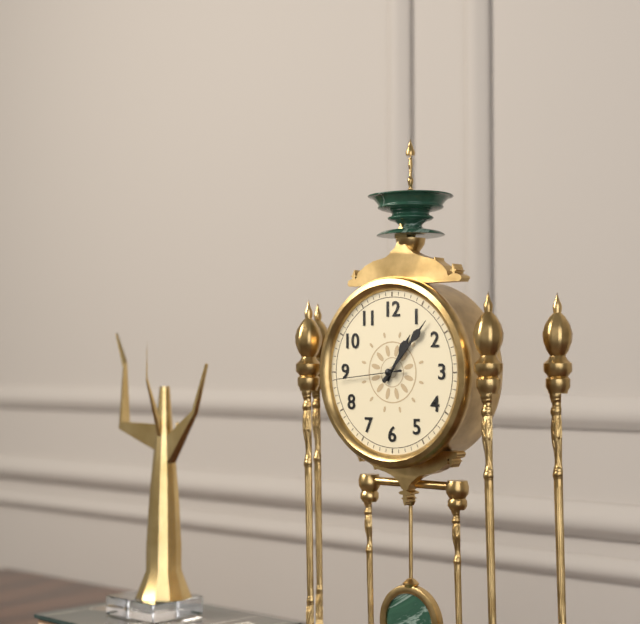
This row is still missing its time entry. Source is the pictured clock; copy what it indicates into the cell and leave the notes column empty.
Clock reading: 1:07:44
